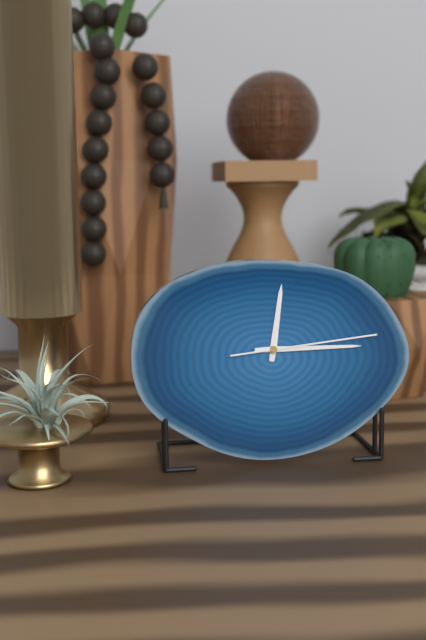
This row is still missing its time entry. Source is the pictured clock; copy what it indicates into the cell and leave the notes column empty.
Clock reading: 12:15:14
